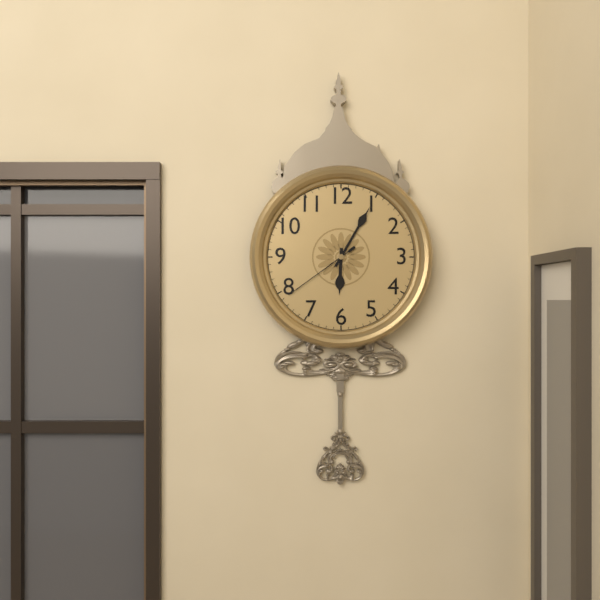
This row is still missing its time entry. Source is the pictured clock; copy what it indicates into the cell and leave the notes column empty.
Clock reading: 6:05:39
